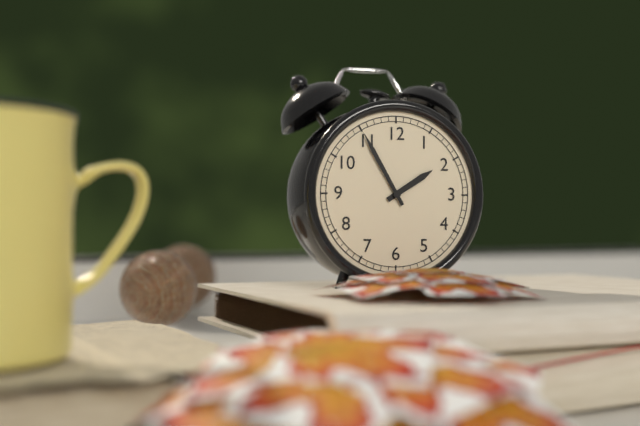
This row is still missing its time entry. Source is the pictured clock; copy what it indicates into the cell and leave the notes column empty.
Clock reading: 1:55
